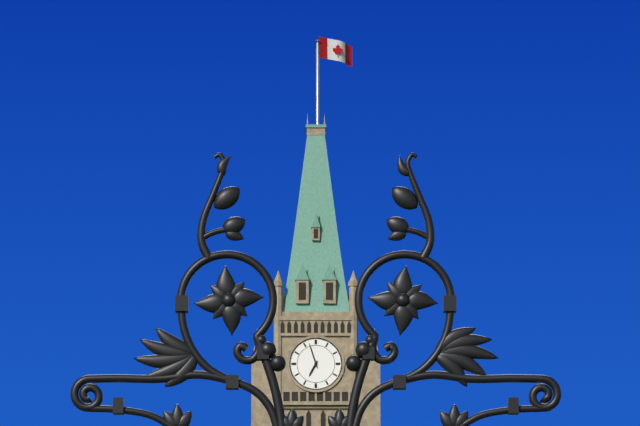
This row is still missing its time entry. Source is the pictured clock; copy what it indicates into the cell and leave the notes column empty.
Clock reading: 6:57
